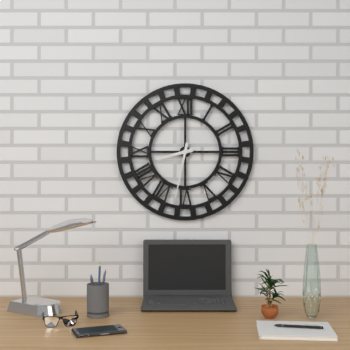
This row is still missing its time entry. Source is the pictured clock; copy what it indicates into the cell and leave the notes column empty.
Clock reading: 8:32
